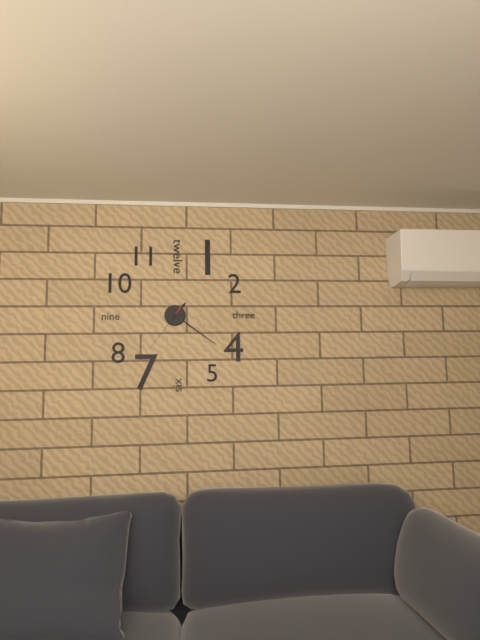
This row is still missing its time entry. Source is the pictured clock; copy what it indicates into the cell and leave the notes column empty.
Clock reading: 1:21:36
